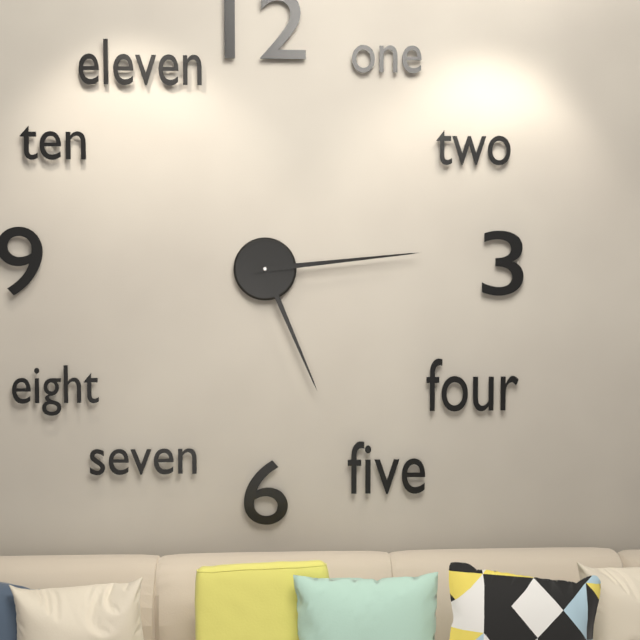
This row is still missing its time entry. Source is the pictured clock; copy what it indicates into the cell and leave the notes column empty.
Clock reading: 5:14
